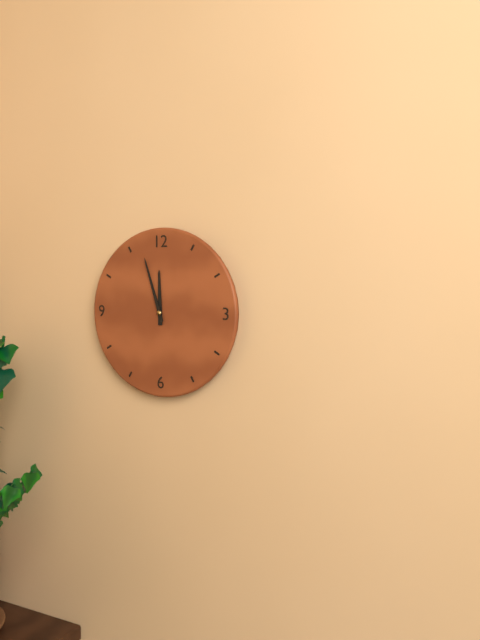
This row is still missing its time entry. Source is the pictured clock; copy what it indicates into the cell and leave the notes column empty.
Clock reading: 11:57
